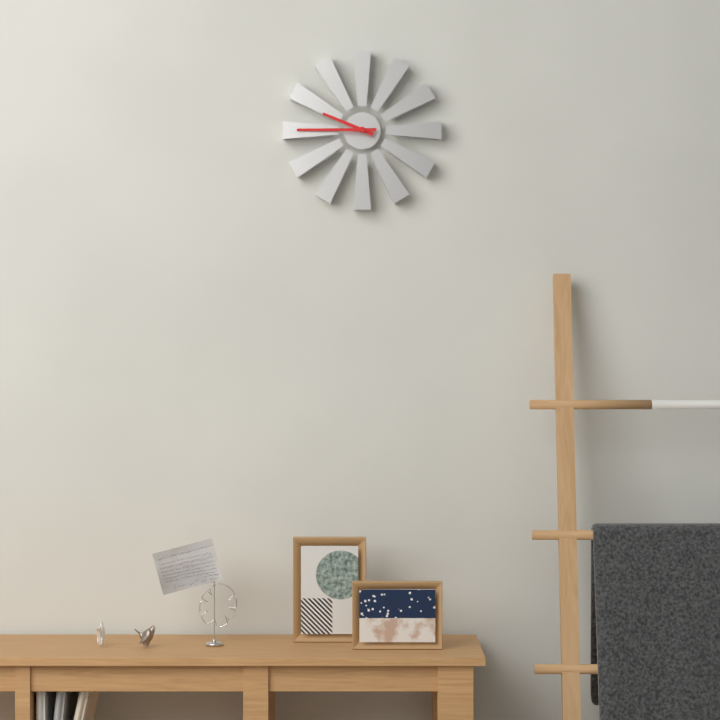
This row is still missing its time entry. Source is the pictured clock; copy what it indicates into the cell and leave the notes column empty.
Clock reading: 9:45
